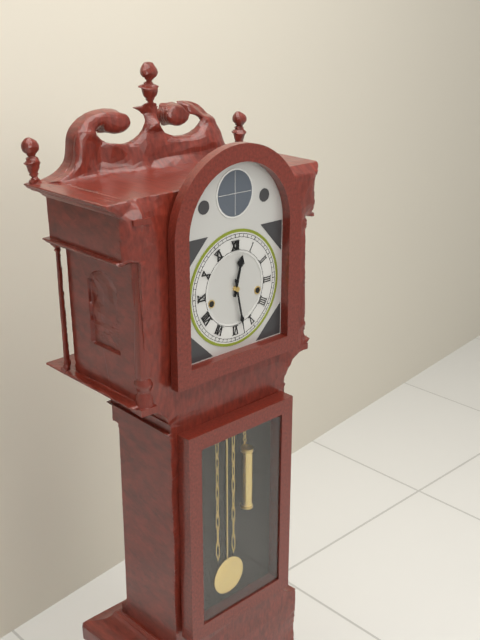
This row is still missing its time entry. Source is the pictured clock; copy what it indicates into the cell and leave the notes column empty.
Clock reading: 12:28
